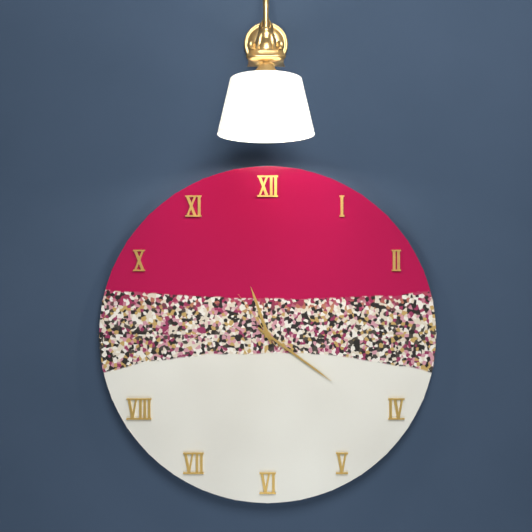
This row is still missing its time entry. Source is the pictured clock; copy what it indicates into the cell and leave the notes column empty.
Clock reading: 11:21:54
